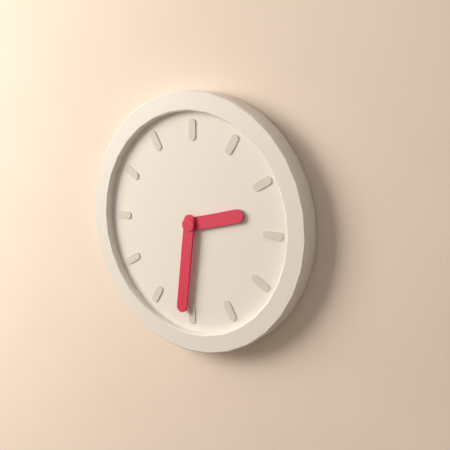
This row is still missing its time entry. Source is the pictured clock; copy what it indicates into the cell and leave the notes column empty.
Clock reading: 2:31
